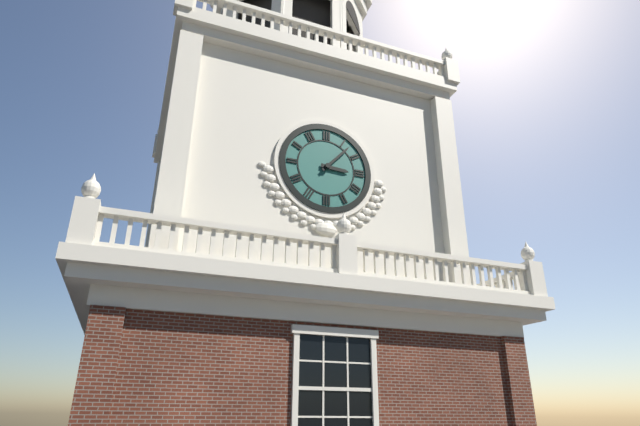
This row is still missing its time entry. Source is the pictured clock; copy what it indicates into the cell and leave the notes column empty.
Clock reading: 3:07
